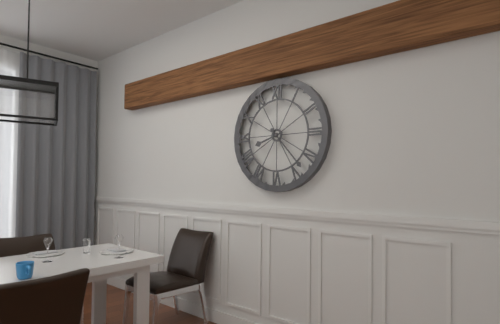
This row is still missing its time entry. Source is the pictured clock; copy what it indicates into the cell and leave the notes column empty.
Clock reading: 8:23
